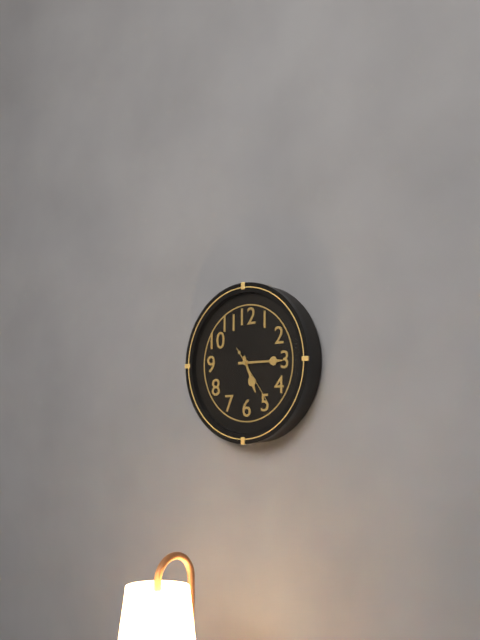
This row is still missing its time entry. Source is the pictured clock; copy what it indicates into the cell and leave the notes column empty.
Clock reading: 5:15:24
